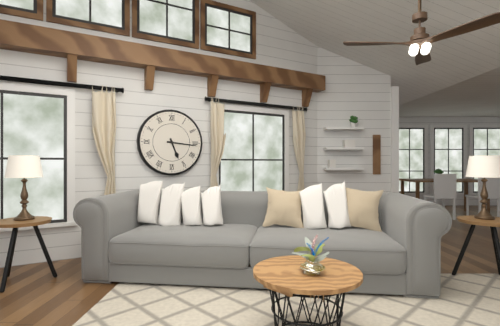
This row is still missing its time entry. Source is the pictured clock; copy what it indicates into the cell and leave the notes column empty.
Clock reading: 5:16
